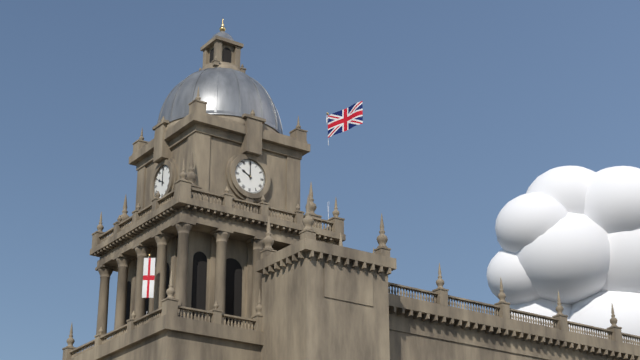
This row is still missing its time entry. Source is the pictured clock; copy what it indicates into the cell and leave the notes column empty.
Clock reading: 10:00
